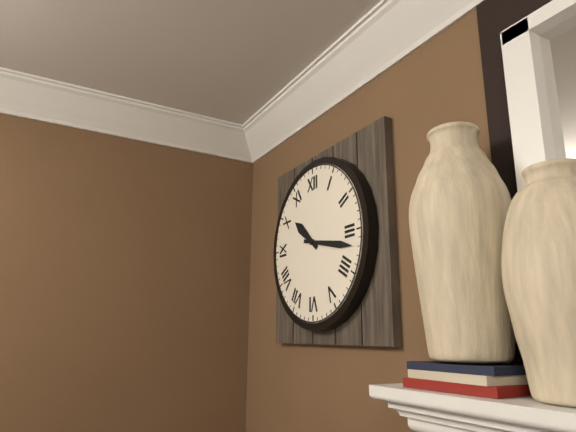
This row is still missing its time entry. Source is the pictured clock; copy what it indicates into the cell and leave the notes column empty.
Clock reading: 10:17
